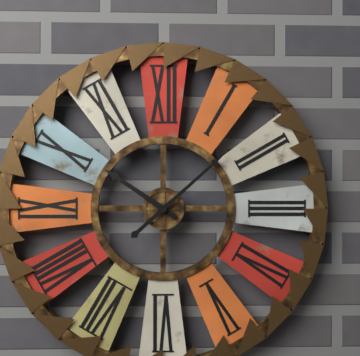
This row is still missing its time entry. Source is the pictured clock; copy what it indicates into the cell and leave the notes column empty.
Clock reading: 10:08
